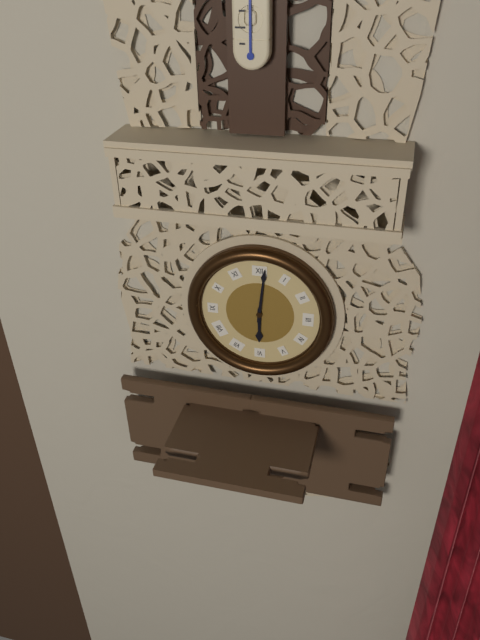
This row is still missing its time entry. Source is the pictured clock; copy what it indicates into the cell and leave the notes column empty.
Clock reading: 6:01
